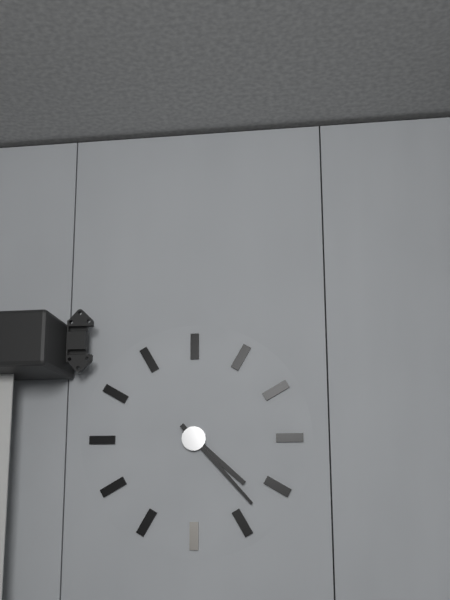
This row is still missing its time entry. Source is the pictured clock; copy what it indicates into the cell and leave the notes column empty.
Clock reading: 4:23
